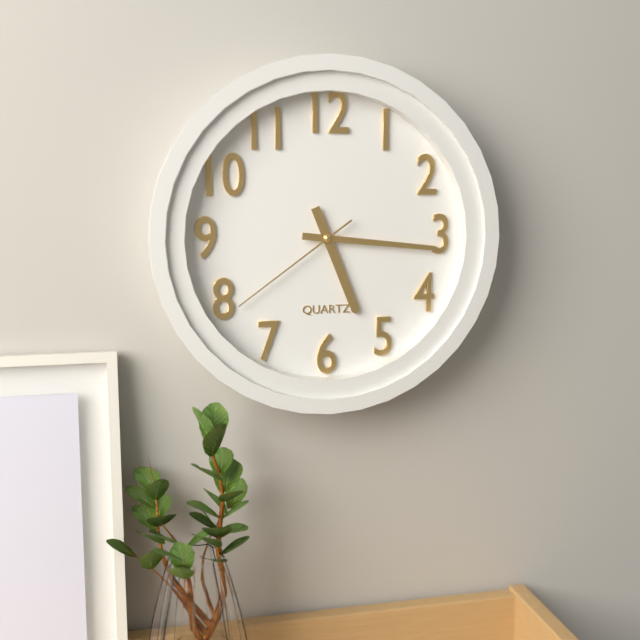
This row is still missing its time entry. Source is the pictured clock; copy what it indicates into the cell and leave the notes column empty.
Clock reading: 5:16:39
